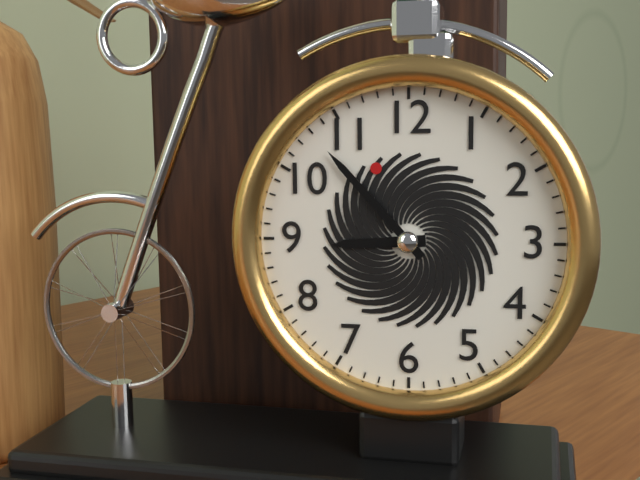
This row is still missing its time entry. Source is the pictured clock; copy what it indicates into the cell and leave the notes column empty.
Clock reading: 8:53
